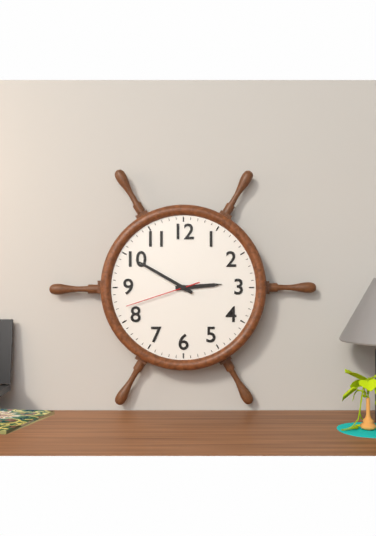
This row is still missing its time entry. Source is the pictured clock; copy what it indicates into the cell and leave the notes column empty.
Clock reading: 2:50:42
